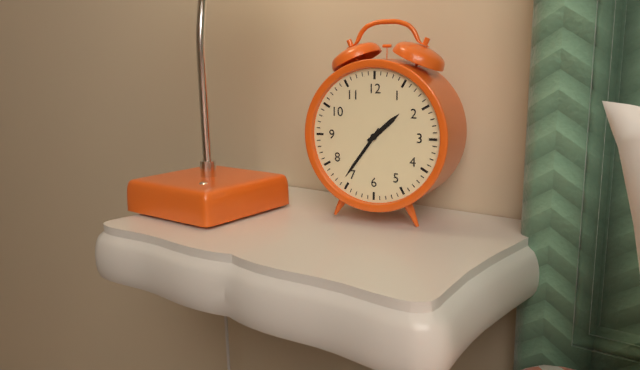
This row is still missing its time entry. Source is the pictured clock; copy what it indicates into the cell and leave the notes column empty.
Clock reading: 1:36
